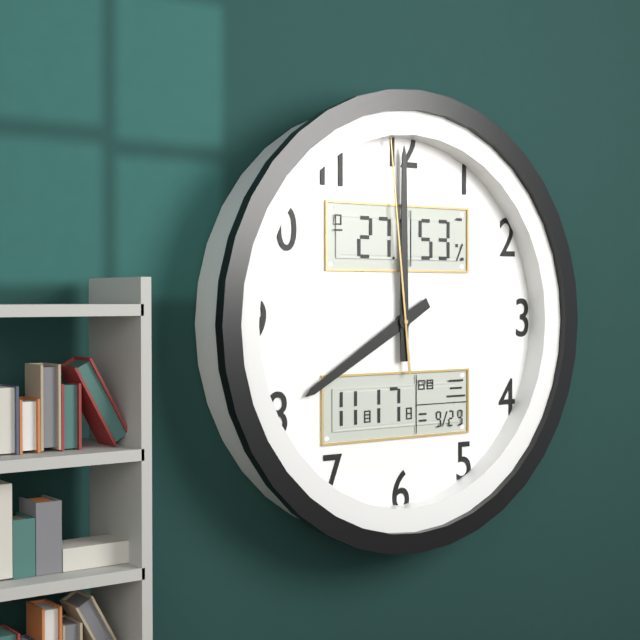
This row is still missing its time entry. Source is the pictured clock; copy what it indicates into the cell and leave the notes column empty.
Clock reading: 8:00:59
